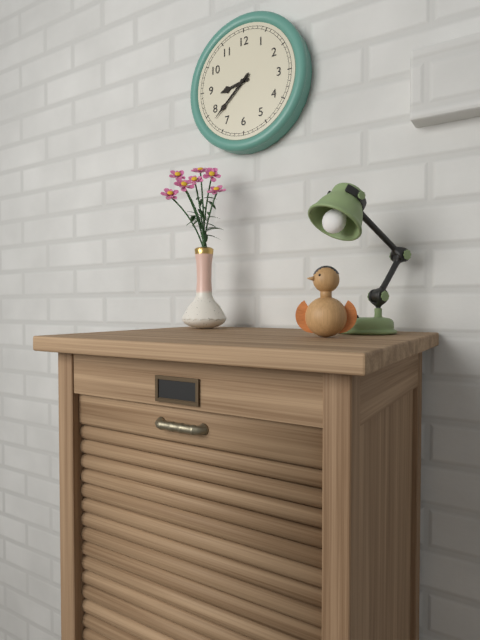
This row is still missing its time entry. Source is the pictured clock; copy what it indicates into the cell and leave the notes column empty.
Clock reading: 8:38
